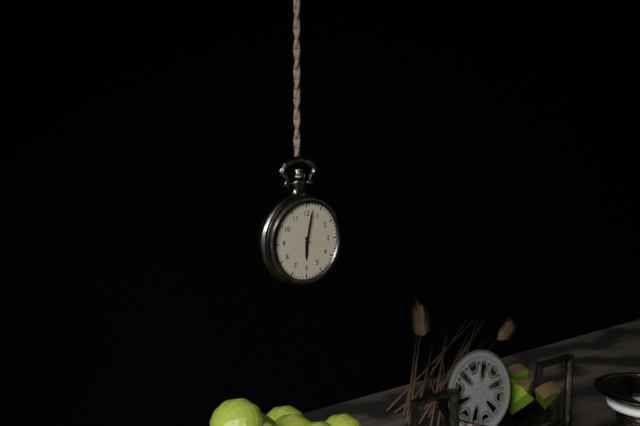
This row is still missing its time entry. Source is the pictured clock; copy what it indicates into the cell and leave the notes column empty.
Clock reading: 6:02
